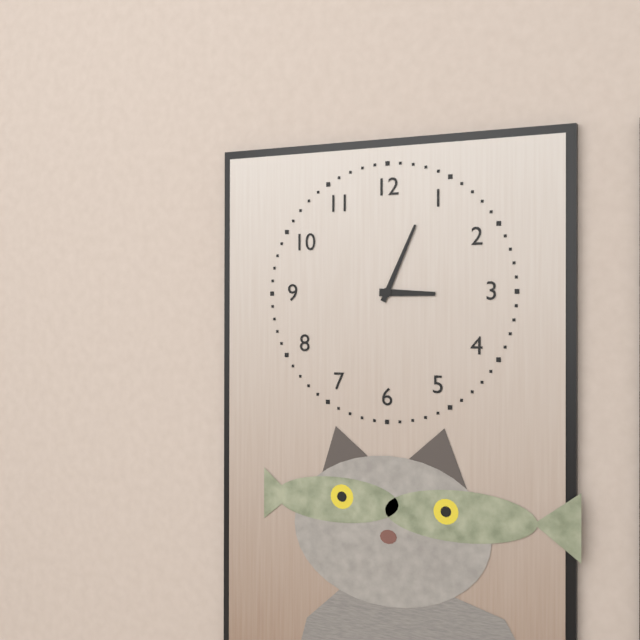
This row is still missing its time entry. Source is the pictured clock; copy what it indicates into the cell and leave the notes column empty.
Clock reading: 3:04
